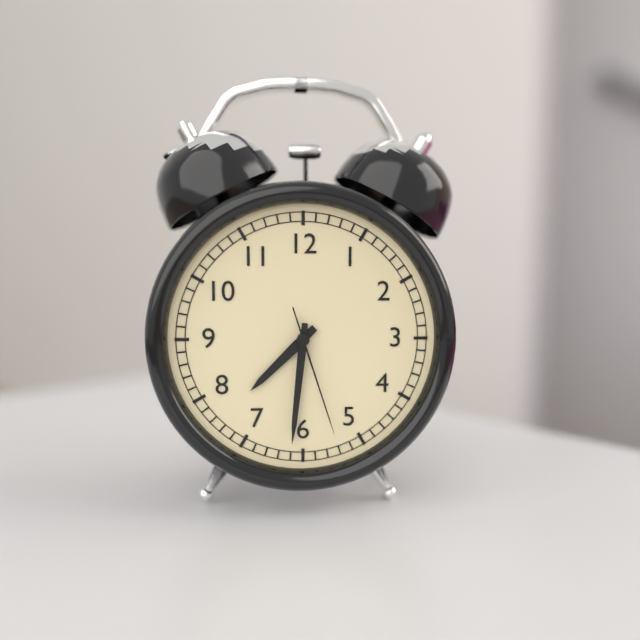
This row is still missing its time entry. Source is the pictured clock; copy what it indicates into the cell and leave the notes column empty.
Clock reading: 7:31:27
